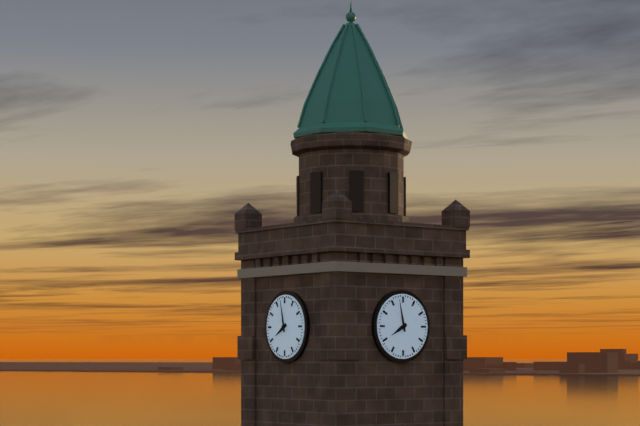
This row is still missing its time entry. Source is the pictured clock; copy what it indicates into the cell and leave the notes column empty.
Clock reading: 7:58
